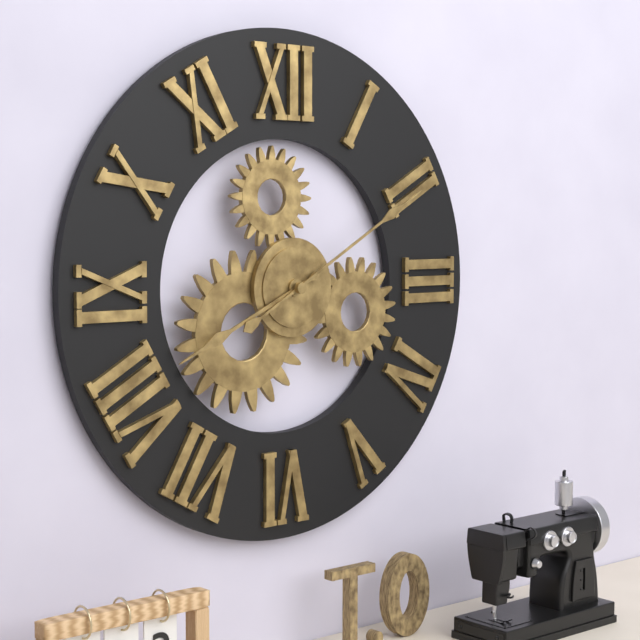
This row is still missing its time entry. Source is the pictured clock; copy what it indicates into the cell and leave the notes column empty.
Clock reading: 8:10
